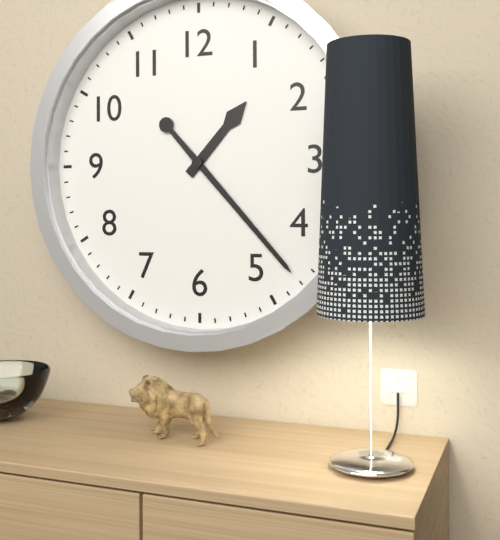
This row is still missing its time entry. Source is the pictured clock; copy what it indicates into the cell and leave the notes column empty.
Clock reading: 1:23
